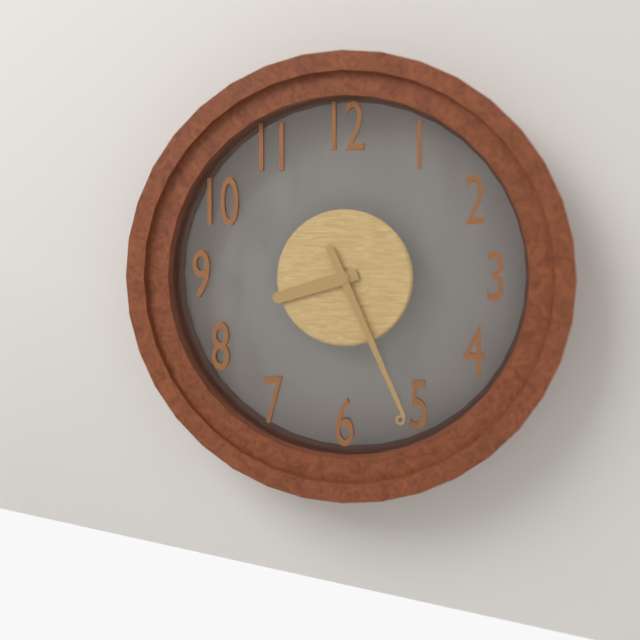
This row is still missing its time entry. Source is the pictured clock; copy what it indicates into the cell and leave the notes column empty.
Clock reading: 8:26
